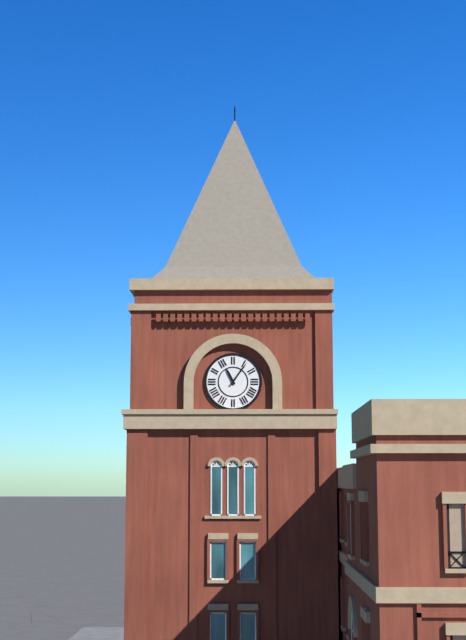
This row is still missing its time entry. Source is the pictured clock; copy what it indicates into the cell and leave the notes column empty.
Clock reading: 11:06
